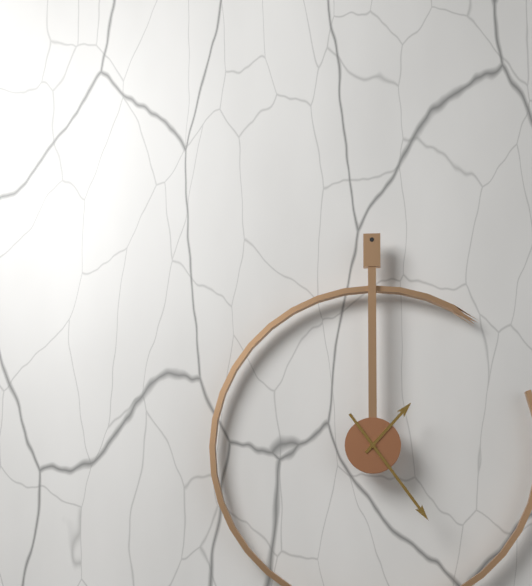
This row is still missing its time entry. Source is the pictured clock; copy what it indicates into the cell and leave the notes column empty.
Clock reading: 1:24
